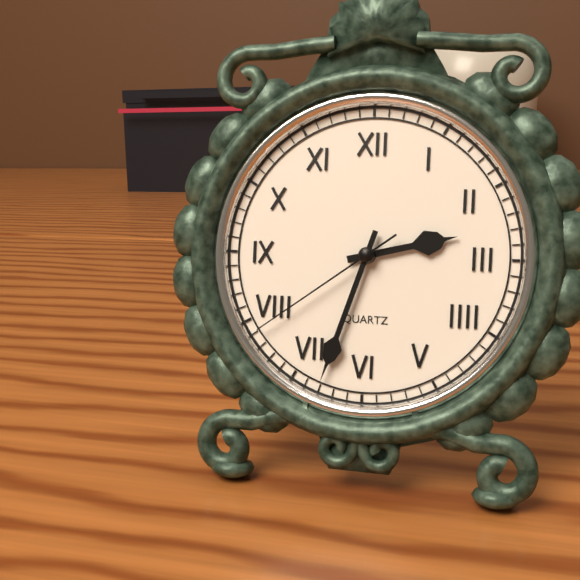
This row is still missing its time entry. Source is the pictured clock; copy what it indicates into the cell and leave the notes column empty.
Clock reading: 2:33:39
